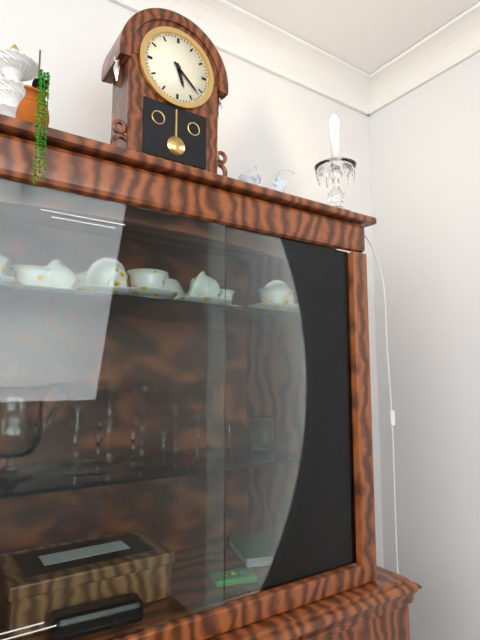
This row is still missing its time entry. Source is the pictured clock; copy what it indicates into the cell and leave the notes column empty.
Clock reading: 5:22
